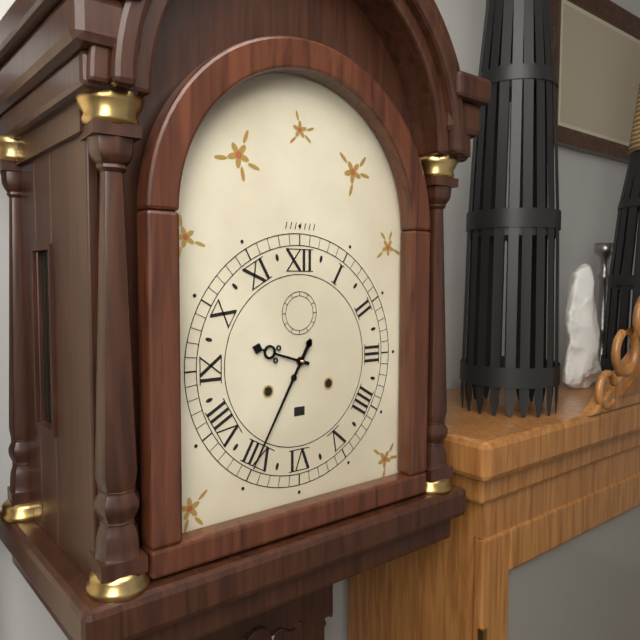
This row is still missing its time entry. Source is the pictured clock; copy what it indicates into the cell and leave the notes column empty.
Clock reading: 9:35
